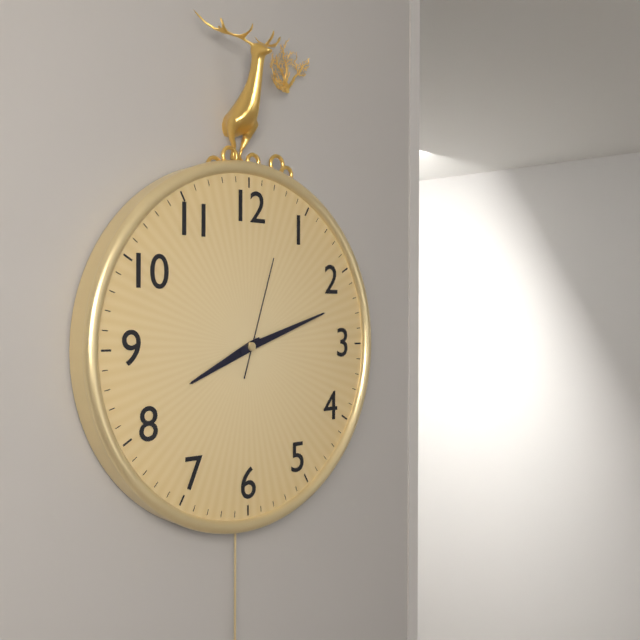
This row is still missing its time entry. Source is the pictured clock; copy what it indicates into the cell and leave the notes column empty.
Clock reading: 8:12:03
